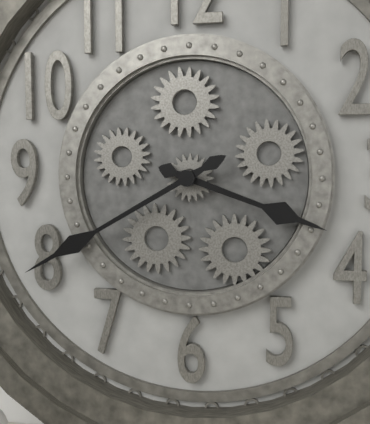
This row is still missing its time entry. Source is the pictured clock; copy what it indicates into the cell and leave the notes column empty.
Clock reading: 3:40
